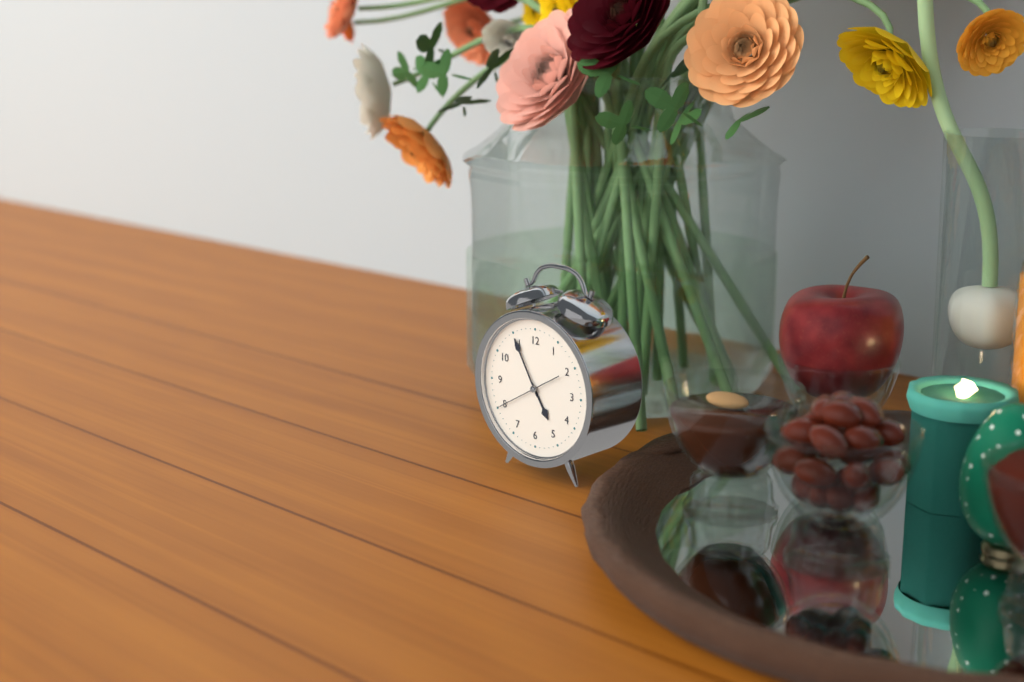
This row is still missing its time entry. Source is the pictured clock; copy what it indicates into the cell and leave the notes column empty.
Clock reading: 4:55:40
